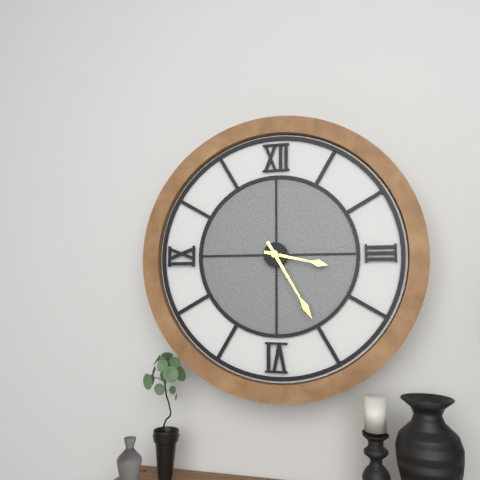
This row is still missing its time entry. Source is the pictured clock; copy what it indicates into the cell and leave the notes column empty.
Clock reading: 3:25
